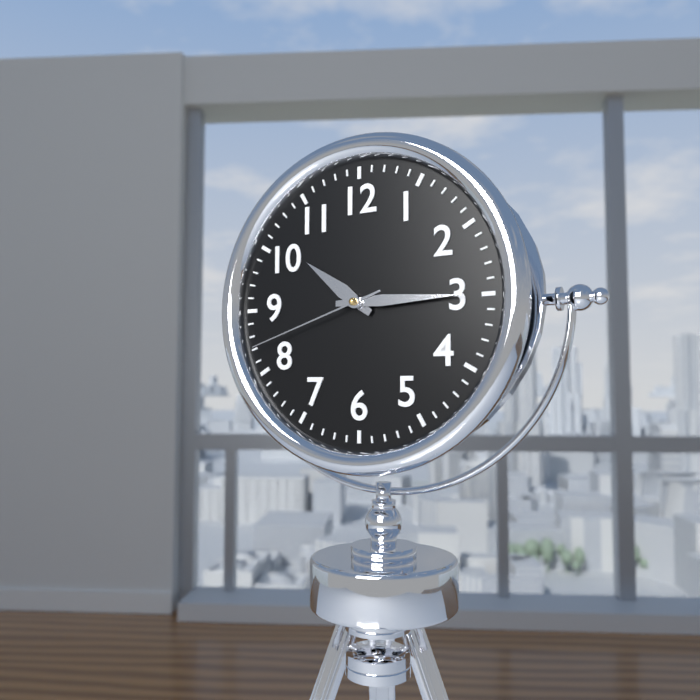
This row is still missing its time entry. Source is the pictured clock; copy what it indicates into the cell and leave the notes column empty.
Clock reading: 10:15:42
